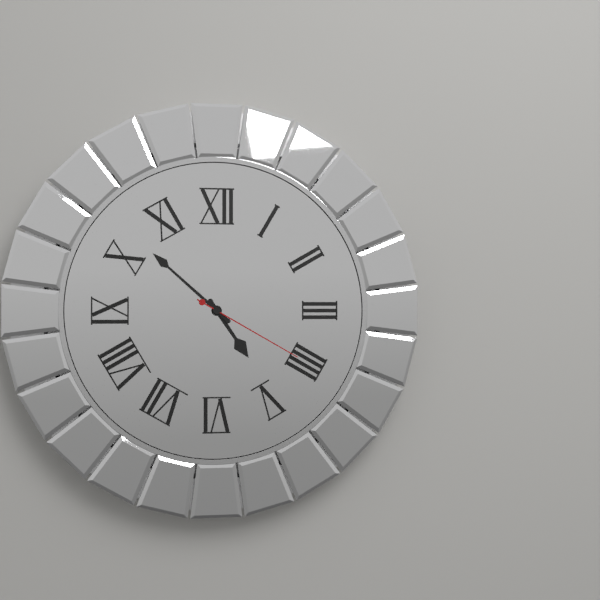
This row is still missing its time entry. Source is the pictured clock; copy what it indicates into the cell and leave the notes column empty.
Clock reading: 4:52:20
